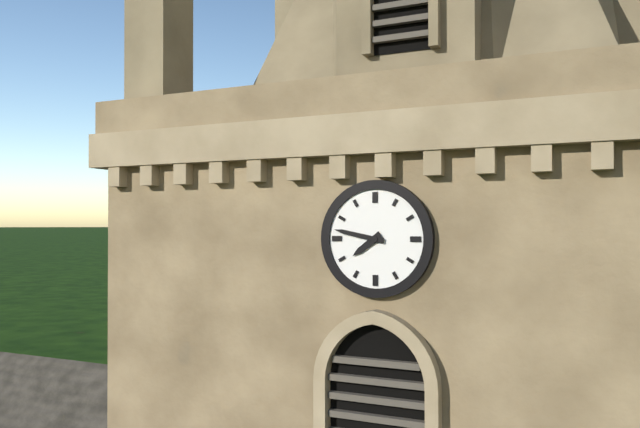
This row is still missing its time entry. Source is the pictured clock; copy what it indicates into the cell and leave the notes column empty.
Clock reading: 7:47
